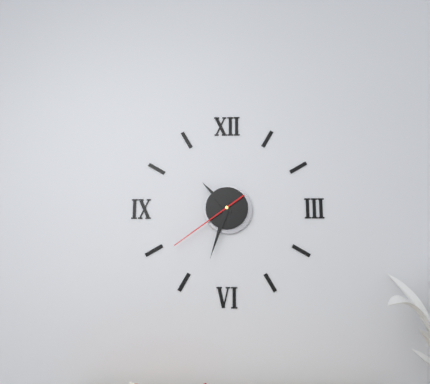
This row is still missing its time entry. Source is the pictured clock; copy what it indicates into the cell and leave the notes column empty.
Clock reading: 10:33:39
